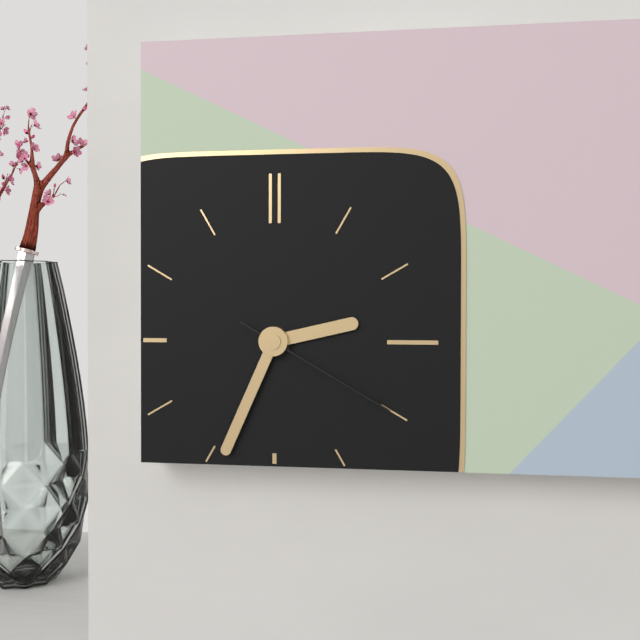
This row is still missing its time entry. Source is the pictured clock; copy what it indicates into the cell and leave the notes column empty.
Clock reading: 2:34:20
